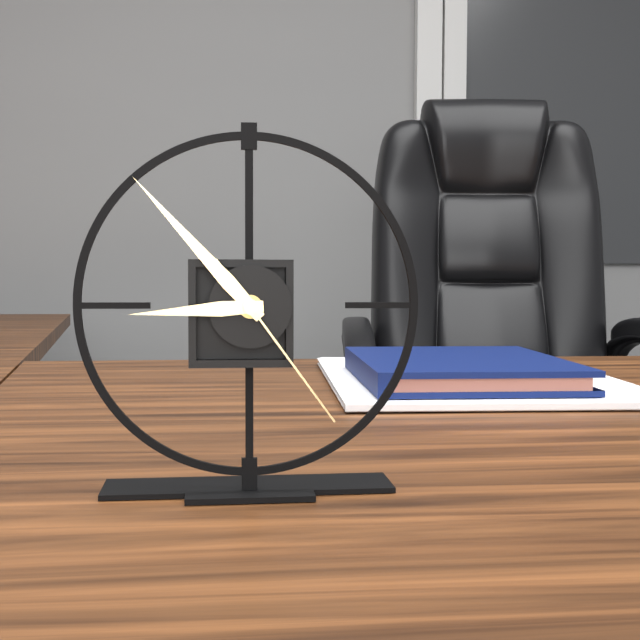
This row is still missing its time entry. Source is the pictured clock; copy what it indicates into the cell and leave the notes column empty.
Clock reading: 8:53:24
